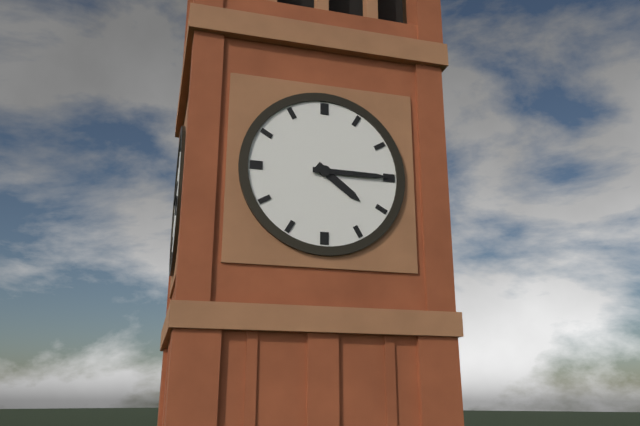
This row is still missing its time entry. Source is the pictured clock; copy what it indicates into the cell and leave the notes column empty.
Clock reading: 4:15
